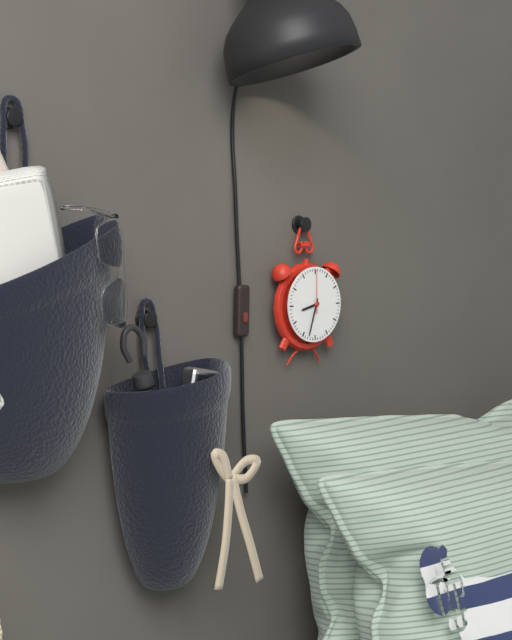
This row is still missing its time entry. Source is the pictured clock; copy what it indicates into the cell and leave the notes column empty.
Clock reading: 8:33
